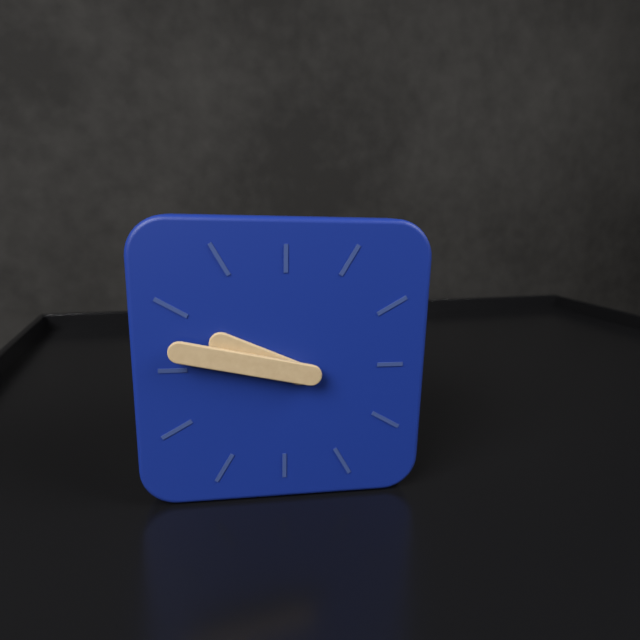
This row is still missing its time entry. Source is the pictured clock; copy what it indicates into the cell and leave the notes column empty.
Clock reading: 9:47
